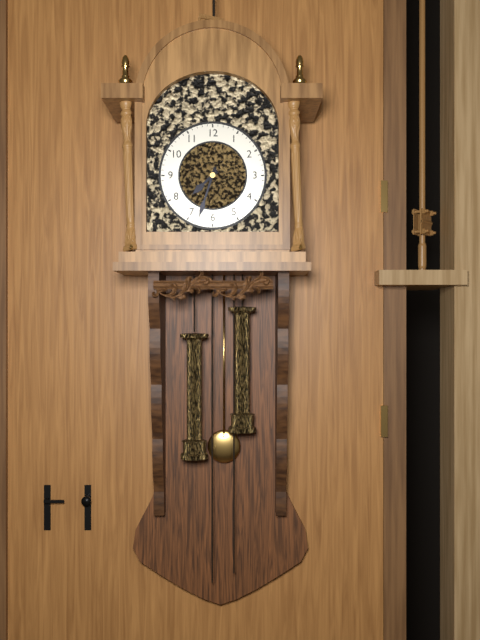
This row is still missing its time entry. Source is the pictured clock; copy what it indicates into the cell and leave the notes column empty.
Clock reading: 7:33
